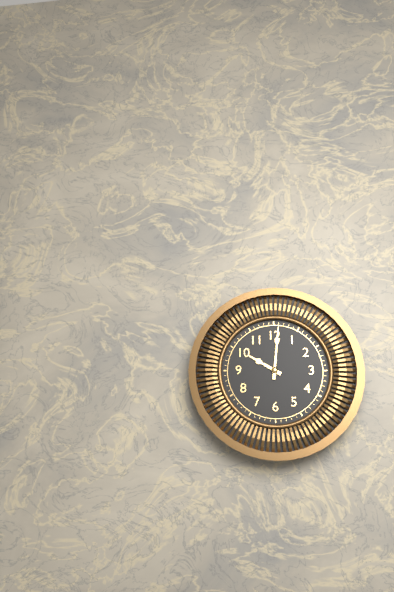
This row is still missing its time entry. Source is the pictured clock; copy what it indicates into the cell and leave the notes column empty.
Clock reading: 10:01
